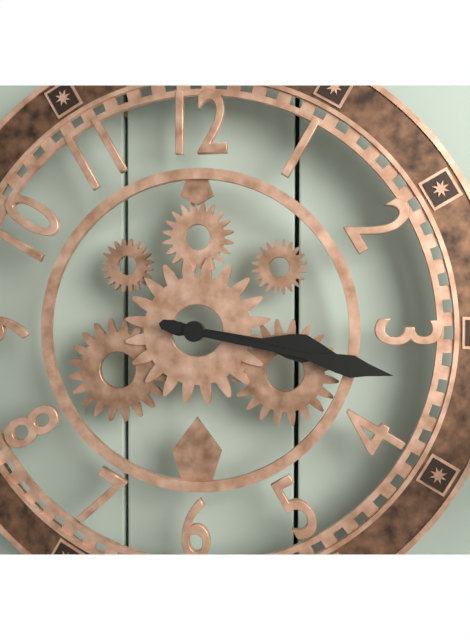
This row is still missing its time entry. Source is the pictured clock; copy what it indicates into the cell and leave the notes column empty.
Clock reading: 3:17
